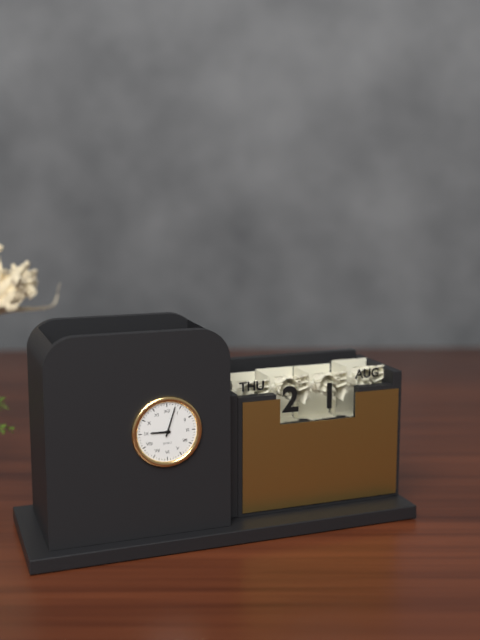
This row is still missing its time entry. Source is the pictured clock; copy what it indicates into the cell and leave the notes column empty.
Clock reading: 9:03
